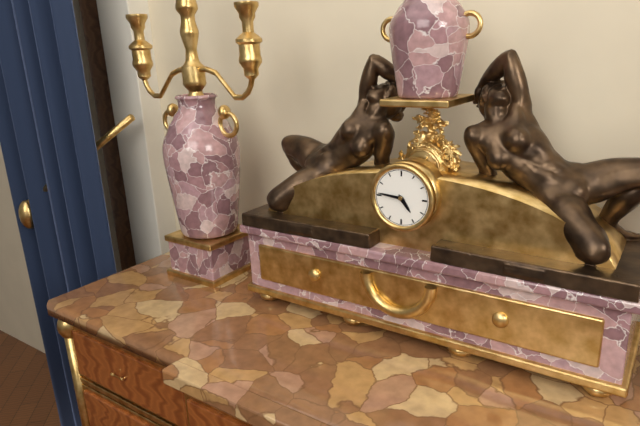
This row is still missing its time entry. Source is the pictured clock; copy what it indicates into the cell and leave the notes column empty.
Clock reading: 4:46
